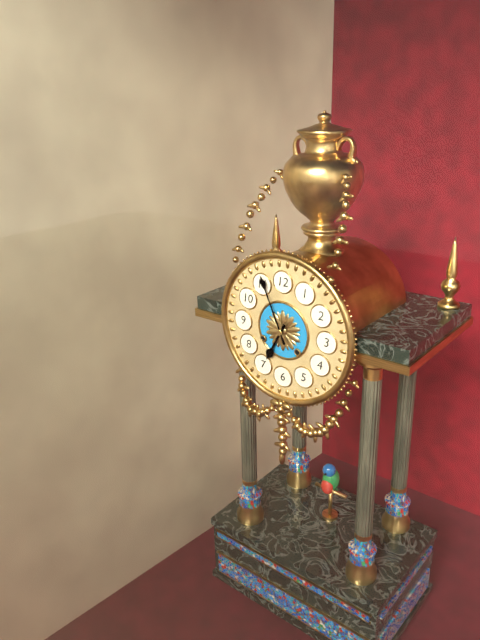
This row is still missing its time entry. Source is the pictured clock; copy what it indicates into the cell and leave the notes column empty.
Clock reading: 6:56
